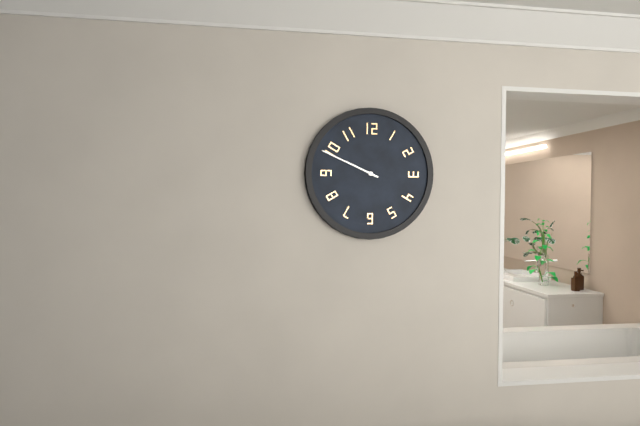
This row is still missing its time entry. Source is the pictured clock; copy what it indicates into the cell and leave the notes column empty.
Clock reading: 9:49
